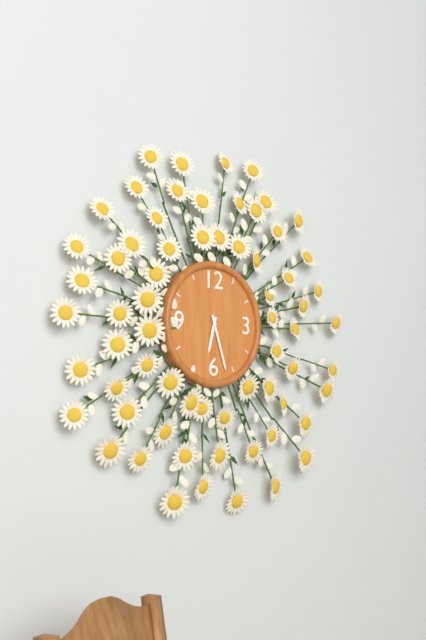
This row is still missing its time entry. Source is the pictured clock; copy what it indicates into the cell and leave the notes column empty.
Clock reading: 6:27
